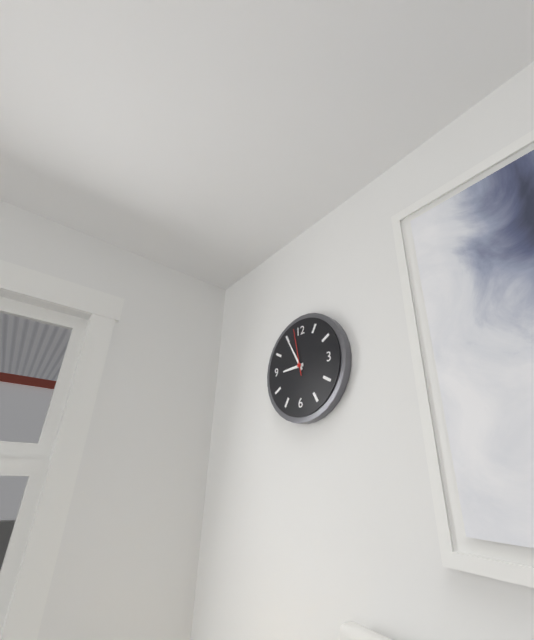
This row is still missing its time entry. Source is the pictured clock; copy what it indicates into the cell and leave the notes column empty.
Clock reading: 8:55:58
